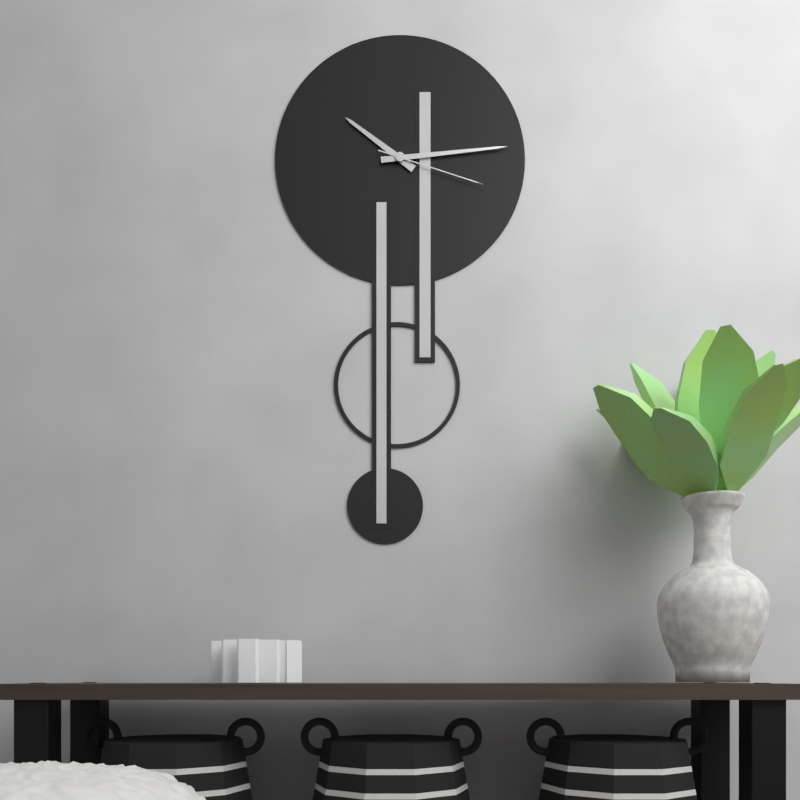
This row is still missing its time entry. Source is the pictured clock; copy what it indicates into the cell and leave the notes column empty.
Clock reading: 10:14:18
